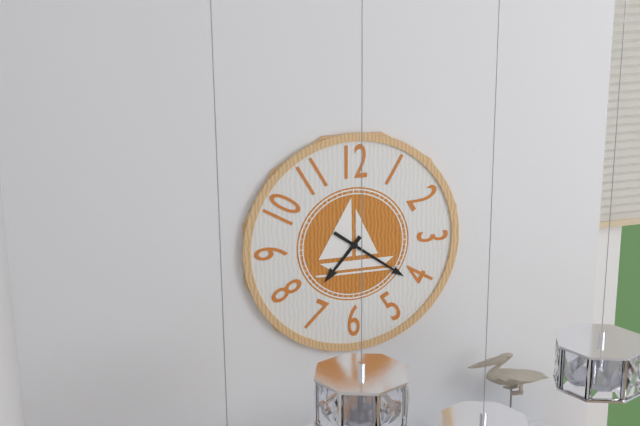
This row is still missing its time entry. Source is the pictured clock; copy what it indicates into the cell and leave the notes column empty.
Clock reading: 7:21
